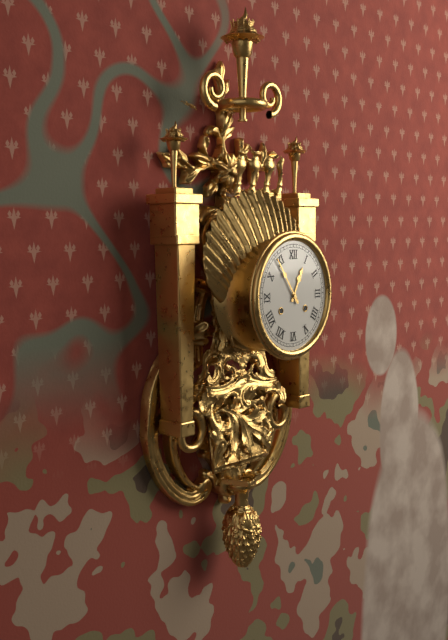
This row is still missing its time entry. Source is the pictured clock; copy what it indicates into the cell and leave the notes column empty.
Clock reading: 12:54
